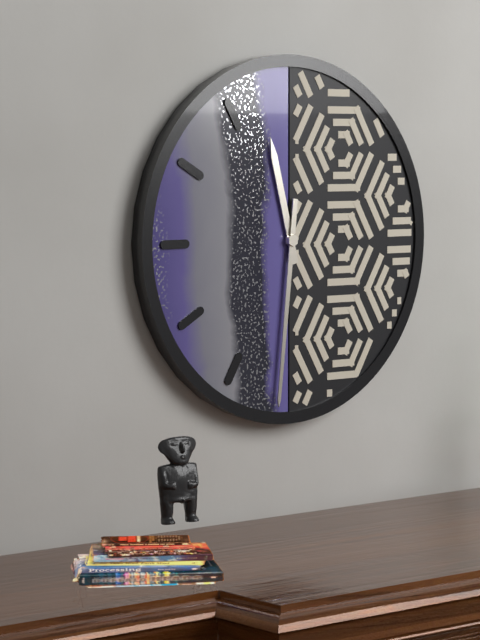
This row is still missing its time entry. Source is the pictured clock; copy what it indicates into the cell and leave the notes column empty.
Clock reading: 11:31
